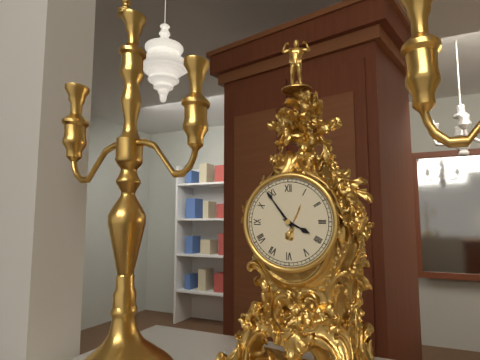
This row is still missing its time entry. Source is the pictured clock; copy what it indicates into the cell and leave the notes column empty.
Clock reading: 3:54
